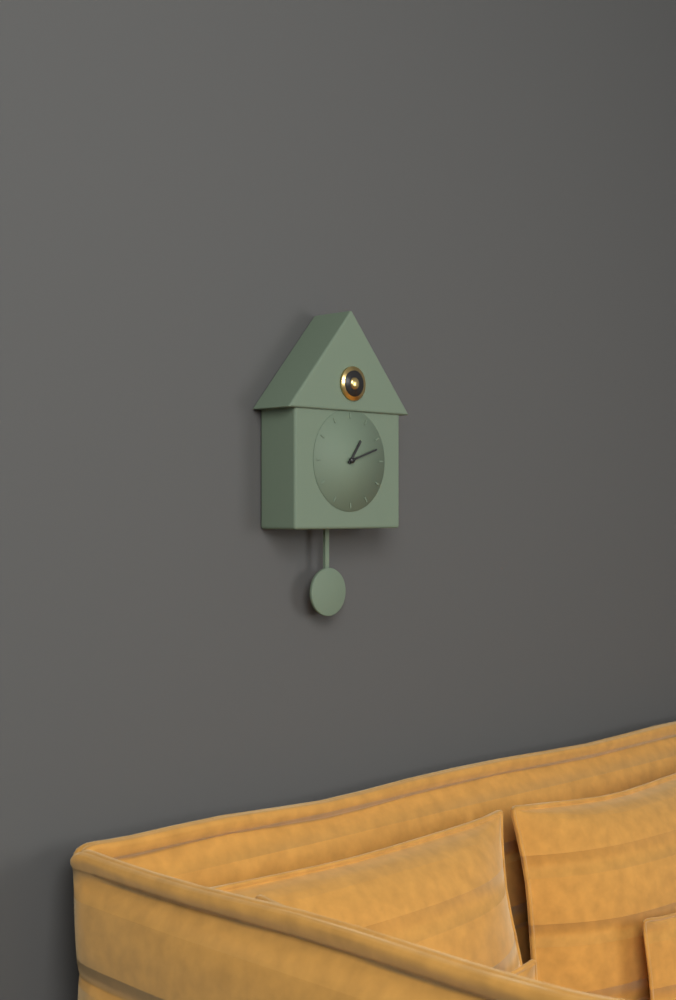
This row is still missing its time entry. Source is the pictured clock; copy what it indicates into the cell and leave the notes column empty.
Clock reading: 1:12
